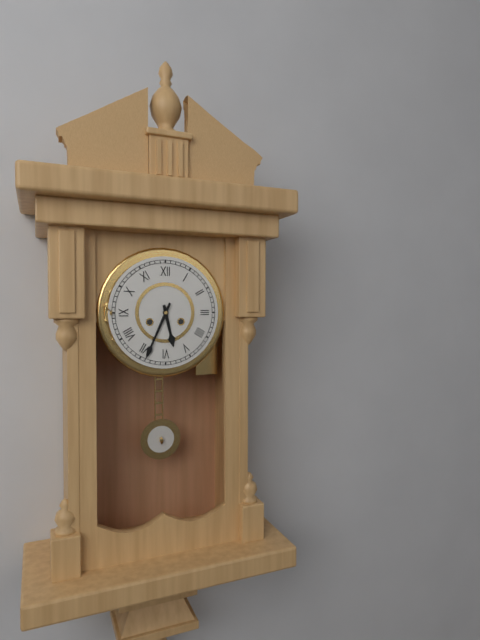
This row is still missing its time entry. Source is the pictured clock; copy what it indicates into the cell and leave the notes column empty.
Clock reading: 5:34
